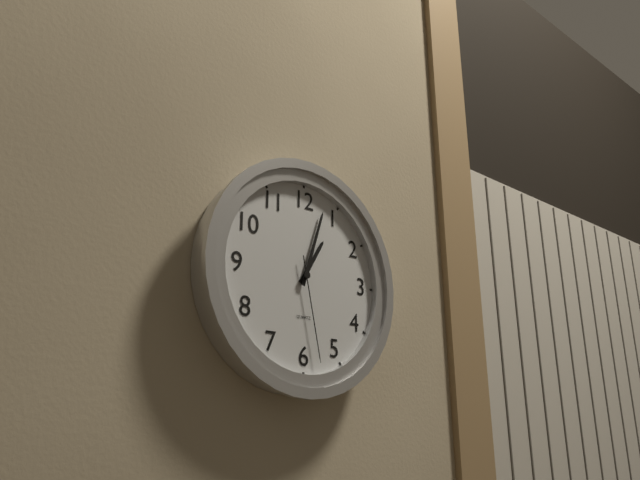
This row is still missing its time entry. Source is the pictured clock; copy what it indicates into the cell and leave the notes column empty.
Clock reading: 1:03:28
